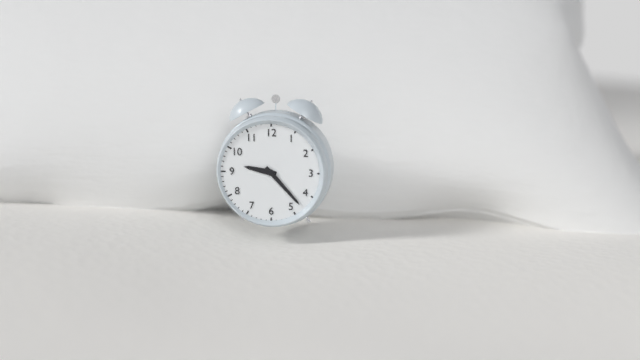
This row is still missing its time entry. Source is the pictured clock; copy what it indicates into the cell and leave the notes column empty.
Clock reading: 9:23
